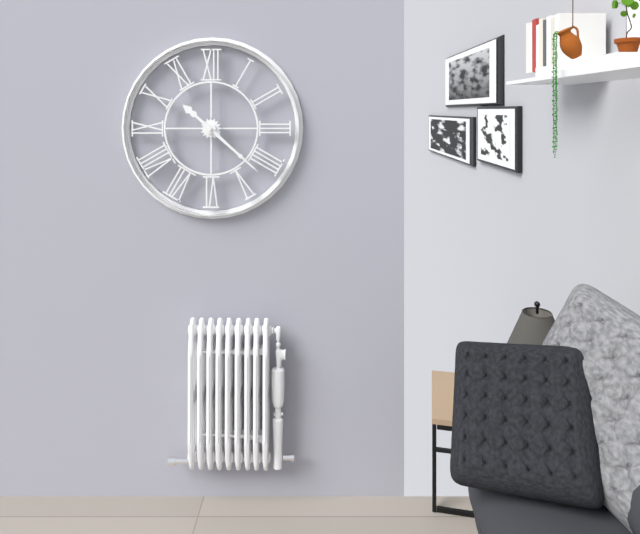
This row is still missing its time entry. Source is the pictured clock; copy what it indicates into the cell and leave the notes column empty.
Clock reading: 10:22
